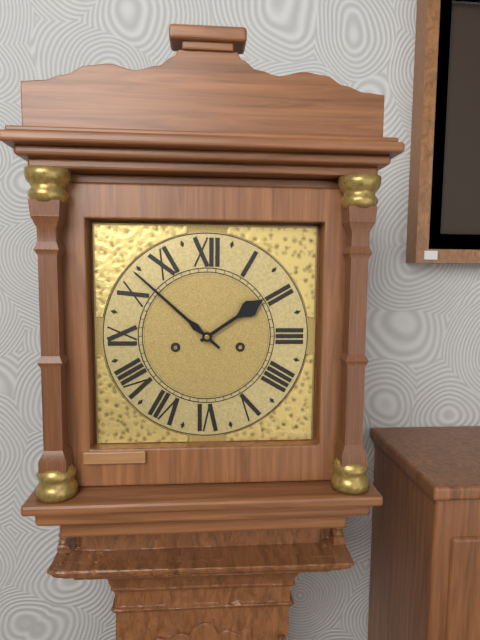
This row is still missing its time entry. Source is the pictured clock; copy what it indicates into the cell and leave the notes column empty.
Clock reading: 1:52
